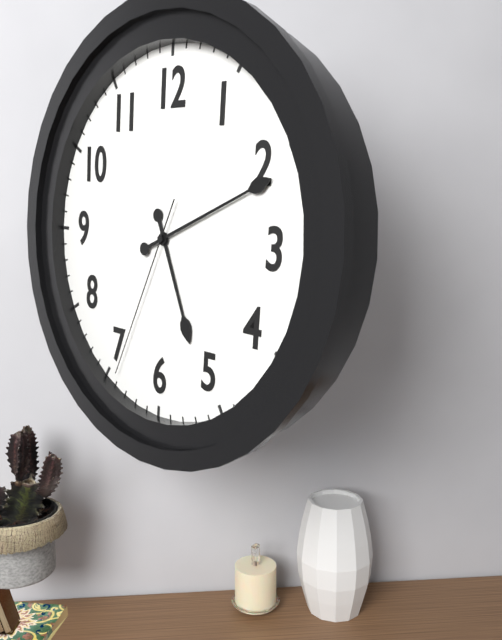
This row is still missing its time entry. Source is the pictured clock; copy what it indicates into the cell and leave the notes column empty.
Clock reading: 5:11:34
